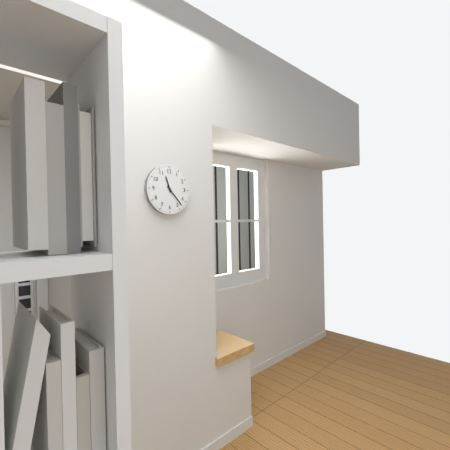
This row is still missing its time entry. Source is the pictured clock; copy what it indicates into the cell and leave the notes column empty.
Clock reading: 11:23
